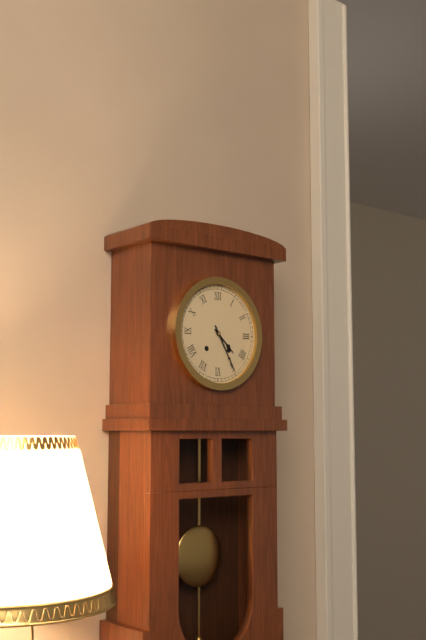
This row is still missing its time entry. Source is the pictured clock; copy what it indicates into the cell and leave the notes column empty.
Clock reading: 4:25
